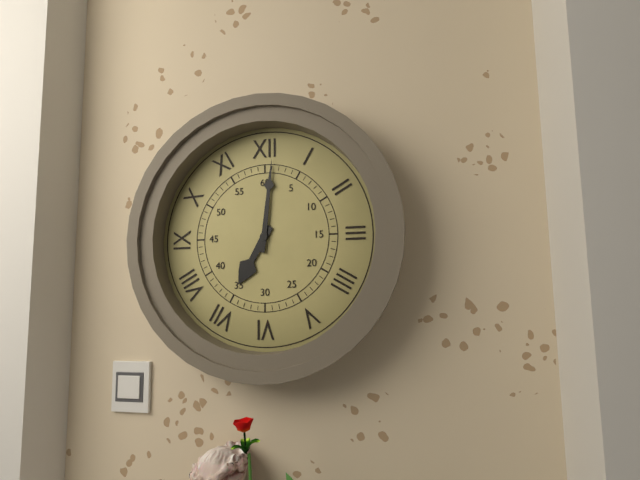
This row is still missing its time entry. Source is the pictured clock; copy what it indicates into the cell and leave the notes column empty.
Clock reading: 7:01
